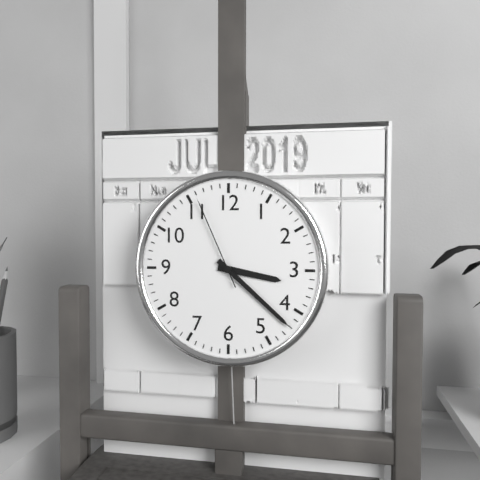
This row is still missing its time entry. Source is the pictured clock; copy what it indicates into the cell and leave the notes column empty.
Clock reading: 3:22:56
